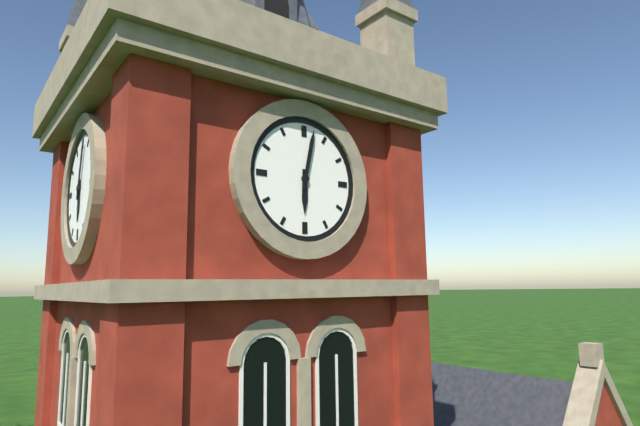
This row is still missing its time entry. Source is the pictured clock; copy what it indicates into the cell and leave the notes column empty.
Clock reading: 6:02
